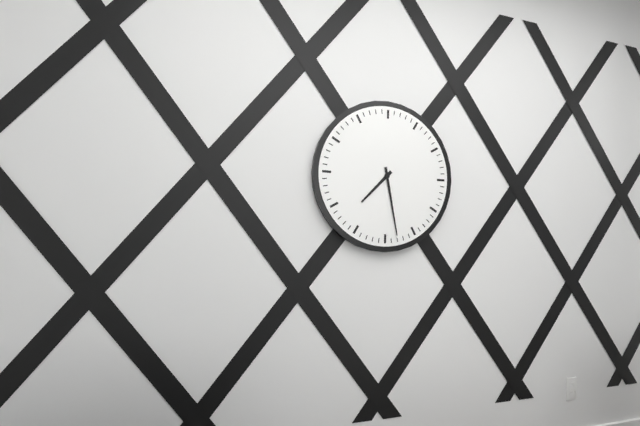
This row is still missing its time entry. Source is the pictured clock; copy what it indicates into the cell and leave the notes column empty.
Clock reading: 7:28
